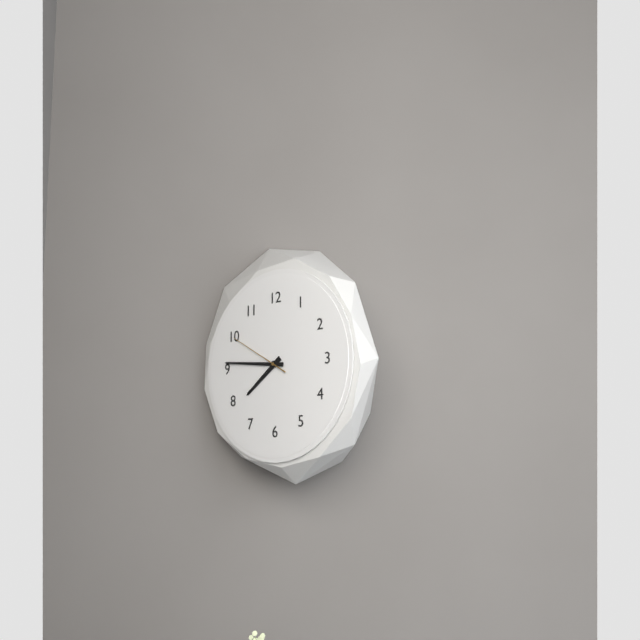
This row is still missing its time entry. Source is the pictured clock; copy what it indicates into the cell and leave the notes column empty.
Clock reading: 7:46:50
